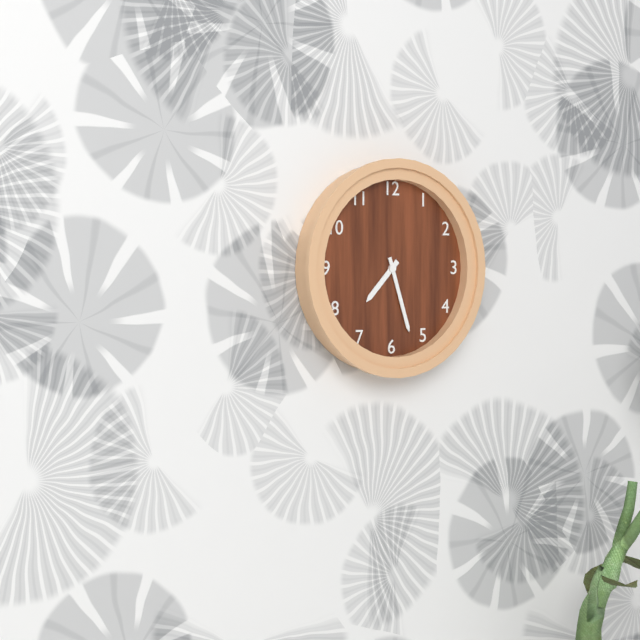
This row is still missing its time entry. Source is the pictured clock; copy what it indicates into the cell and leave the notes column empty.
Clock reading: 7:27
